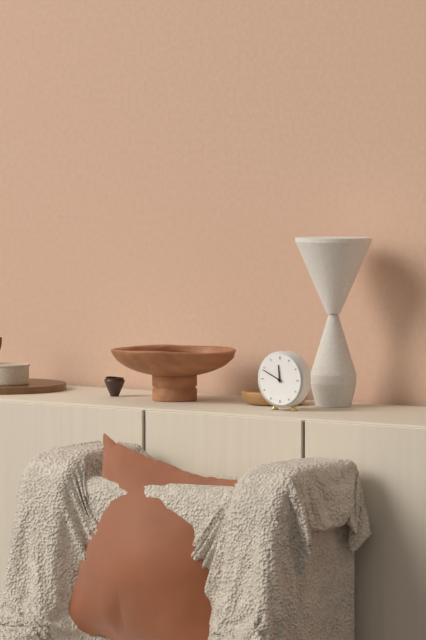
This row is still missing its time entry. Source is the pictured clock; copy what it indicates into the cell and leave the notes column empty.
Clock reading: 11:49
